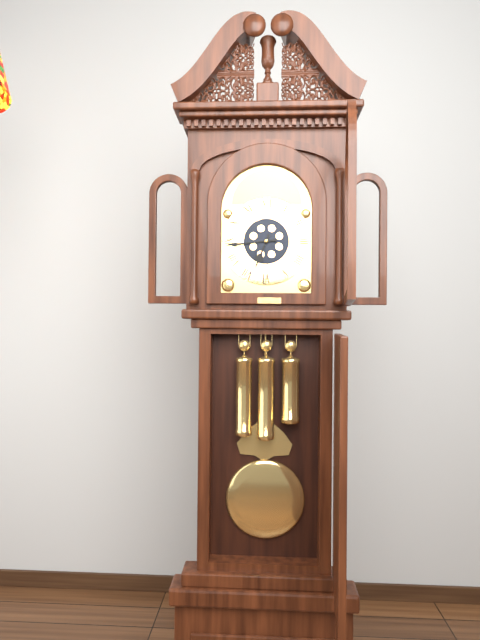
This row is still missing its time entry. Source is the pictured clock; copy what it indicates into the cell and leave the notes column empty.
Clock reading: 6:44
